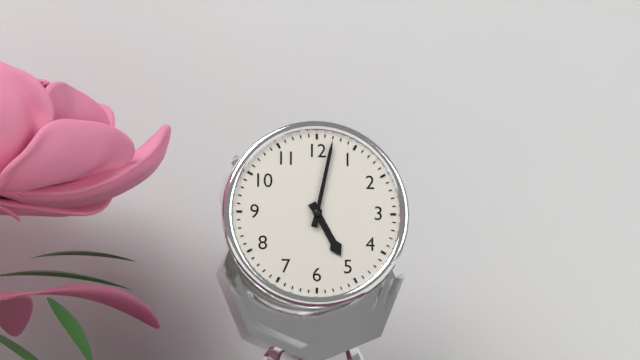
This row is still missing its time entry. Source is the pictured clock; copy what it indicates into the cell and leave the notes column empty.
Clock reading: 5:02
